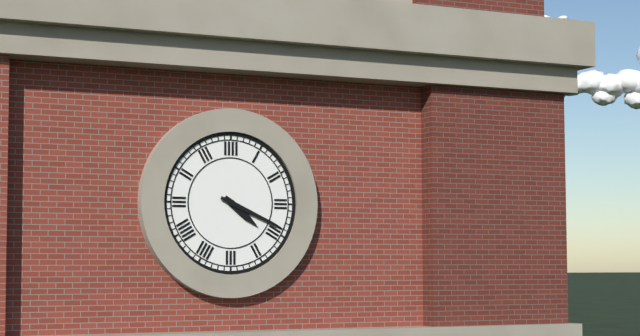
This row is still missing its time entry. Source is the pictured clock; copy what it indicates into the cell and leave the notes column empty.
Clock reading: 4:19
